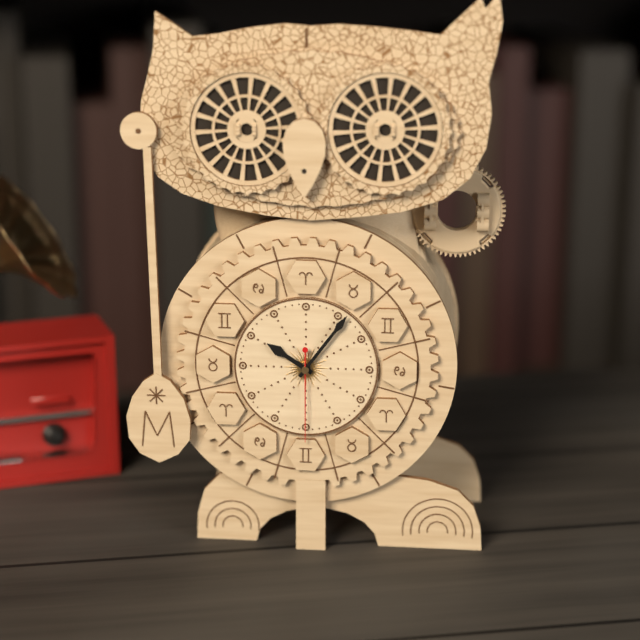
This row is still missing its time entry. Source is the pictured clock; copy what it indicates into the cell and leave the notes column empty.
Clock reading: 10:06:30
